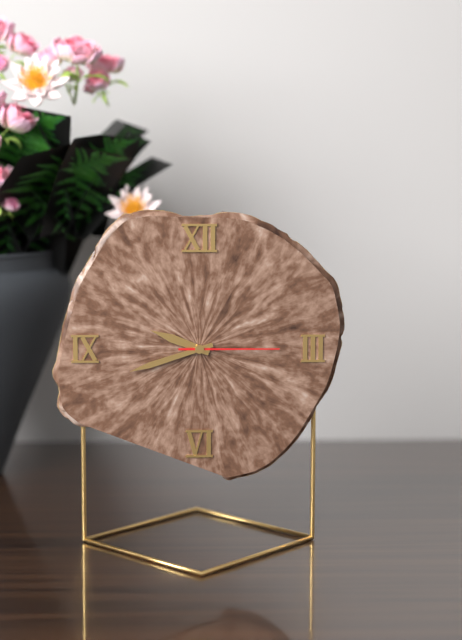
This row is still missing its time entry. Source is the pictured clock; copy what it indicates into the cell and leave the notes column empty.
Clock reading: 9:42:15
